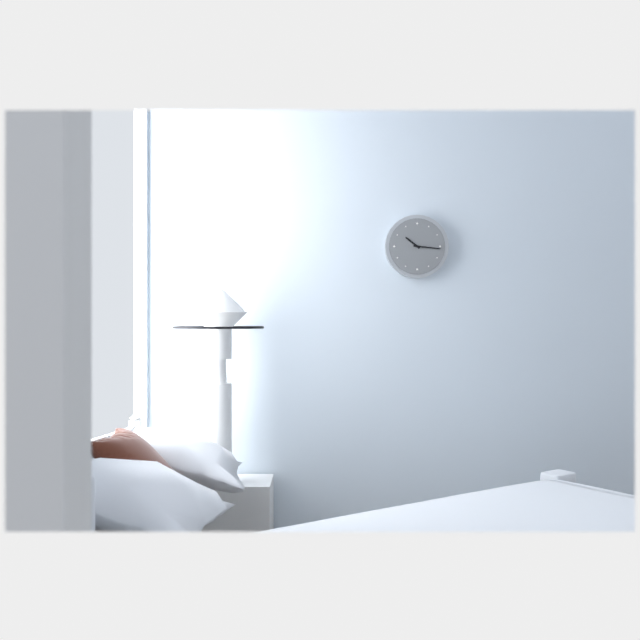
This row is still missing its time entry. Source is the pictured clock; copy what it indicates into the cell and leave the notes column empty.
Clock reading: 10:16
